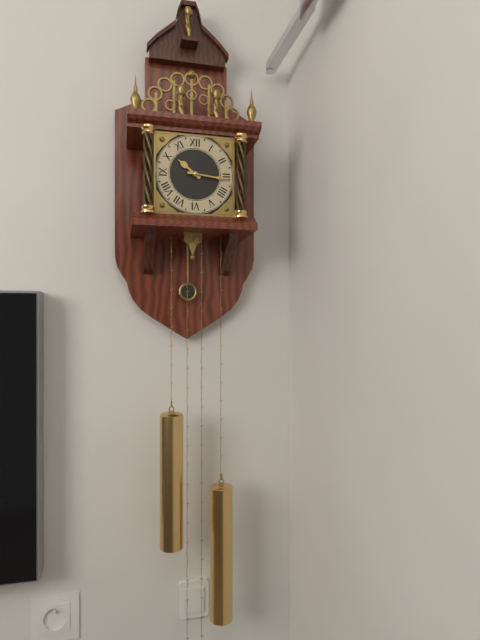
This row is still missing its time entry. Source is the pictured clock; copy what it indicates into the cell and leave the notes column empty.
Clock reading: 10:16
